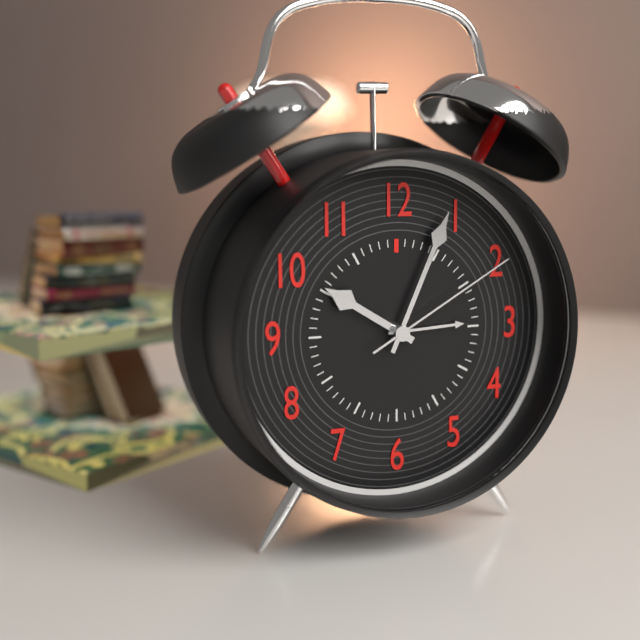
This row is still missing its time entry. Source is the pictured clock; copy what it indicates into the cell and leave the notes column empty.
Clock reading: 10:04:10
